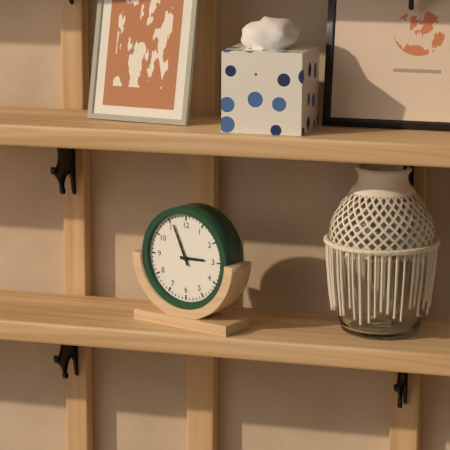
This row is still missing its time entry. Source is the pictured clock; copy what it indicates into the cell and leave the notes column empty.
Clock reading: 2:56
